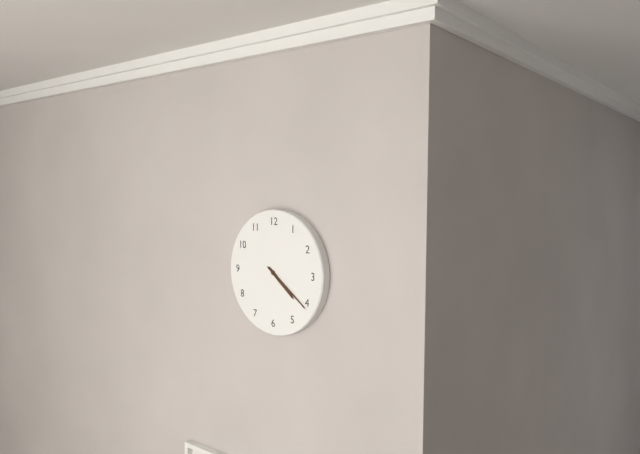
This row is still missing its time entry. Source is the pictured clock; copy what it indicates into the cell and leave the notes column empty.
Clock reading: 4:21
